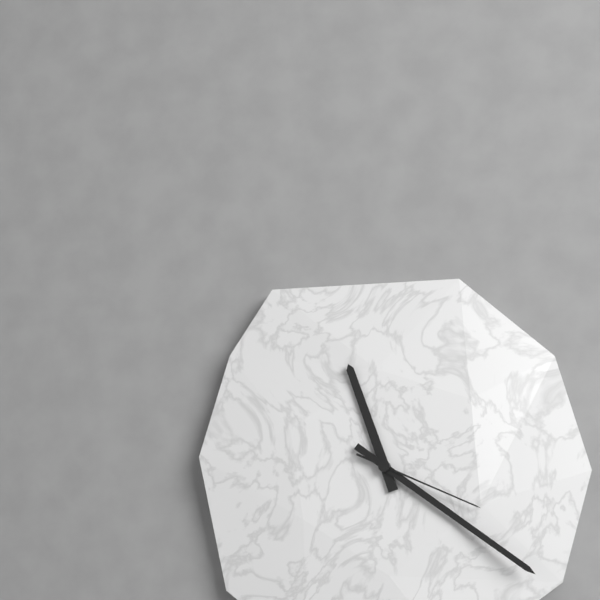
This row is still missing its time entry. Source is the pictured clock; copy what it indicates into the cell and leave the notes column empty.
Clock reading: 11:21:19
